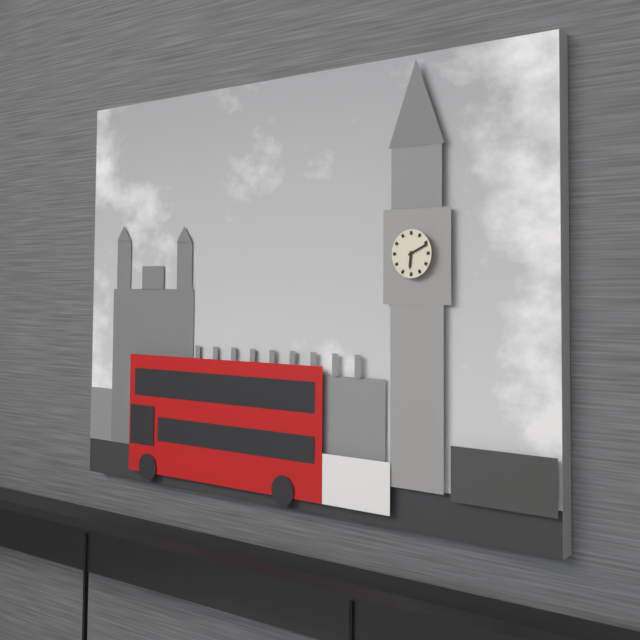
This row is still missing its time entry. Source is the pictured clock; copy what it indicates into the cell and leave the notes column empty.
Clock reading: 6:11
